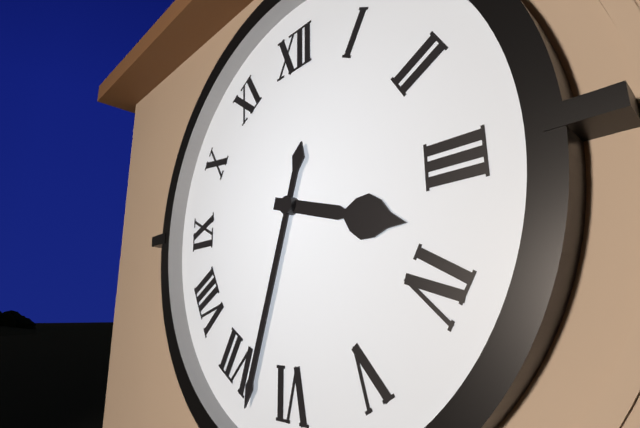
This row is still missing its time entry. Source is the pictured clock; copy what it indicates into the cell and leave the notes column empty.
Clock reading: 3:33
